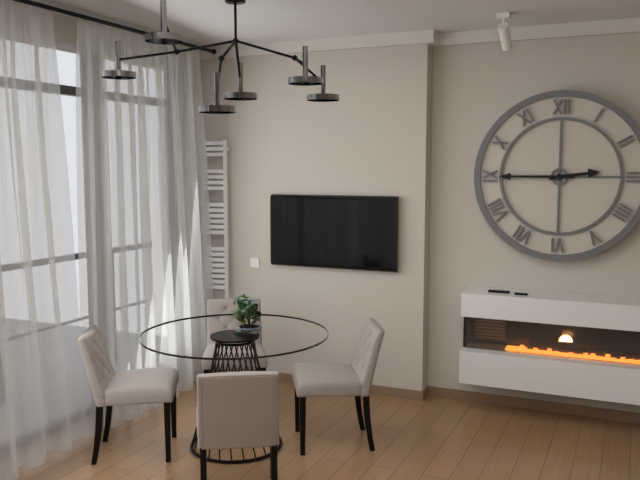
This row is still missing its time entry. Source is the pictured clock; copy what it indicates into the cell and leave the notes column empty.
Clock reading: 2:45
